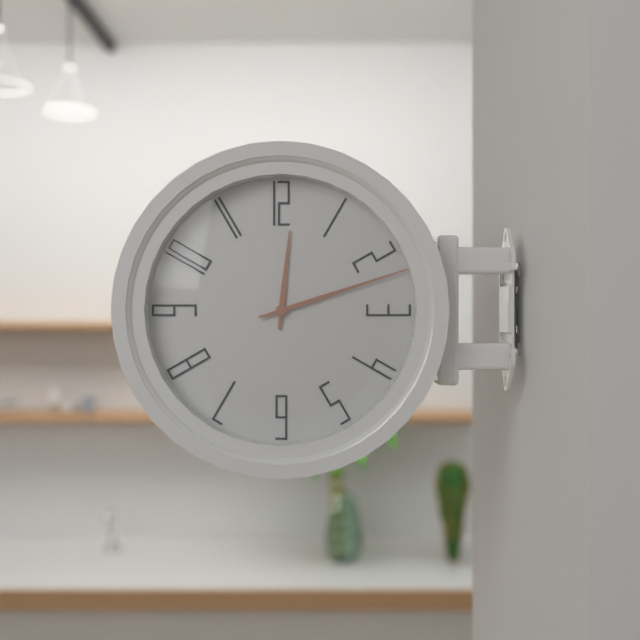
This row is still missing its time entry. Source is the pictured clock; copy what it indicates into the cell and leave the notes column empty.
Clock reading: 12:12
